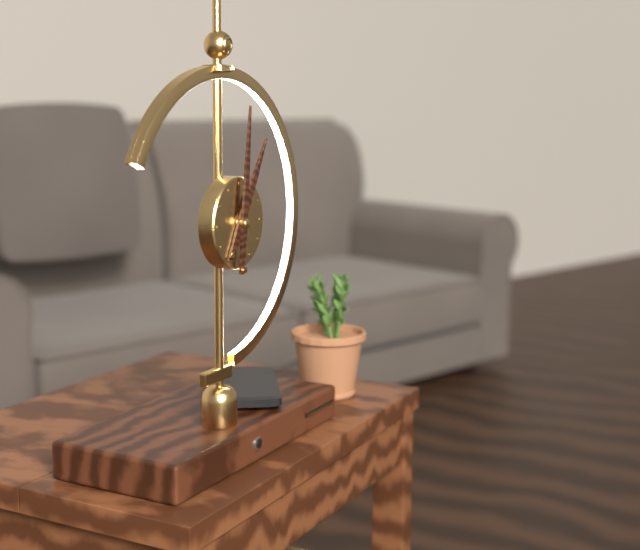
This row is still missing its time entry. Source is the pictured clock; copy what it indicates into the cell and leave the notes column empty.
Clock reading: 1:01
